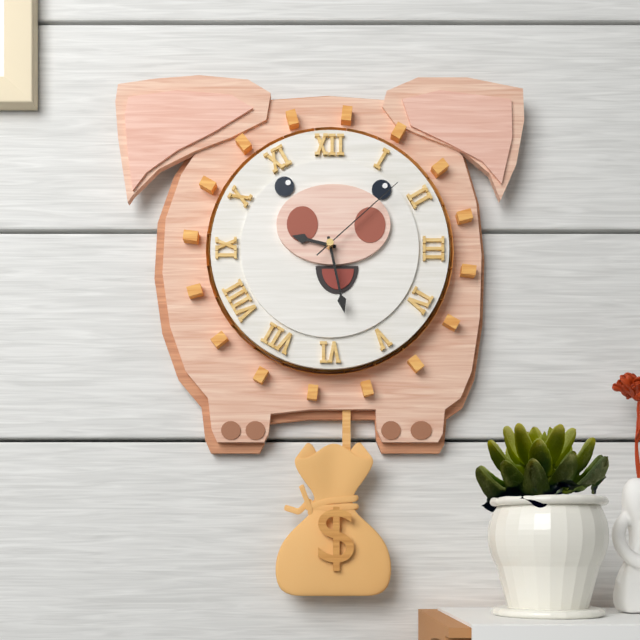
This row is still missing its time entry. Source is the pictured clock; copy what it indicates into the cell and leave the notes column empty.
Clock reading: 9:28:08
